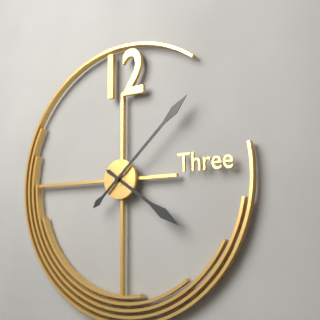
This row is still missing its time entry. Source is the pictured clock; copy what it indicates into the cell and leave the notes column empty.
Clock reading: 4:08
